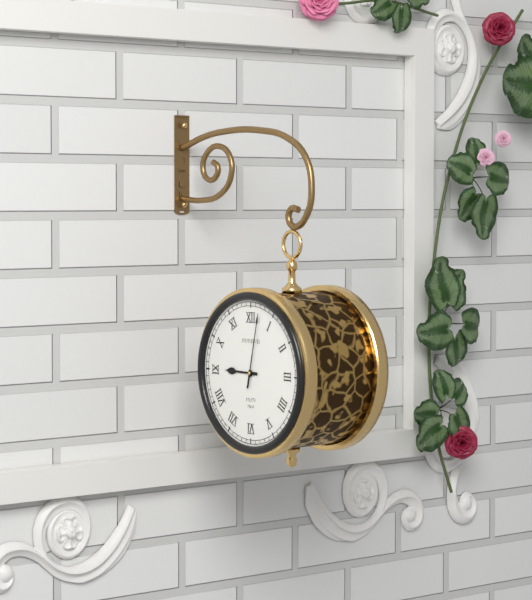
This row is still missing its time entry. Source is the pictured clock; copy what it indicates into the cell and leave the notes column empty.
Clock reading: 9:02
